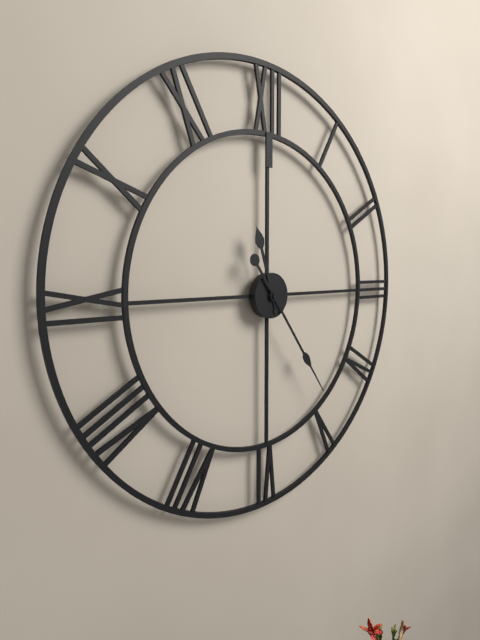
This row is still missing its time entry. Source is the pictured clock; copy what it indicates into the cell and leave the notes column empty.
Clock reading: 11:24
